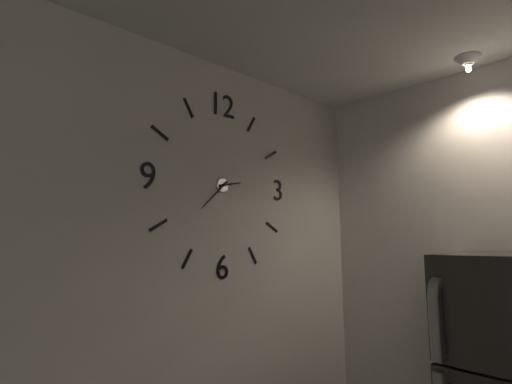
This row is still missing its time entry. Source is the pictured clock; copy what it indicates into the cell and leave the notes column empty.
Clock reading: 2:38
